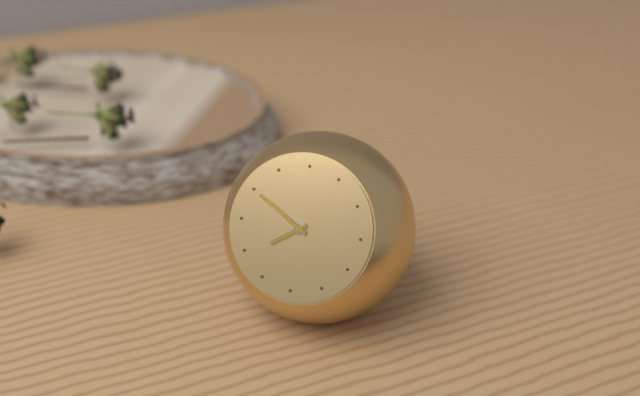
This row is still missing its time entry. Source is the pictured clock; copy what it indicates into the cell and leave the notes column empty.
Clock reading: 7:50
